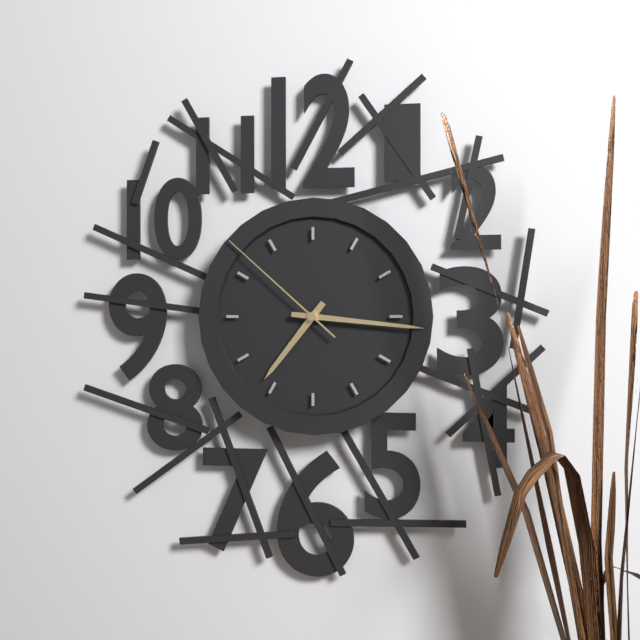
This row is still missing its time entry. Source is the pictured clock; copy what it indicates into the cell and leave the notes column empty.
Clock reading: 7:16:52
